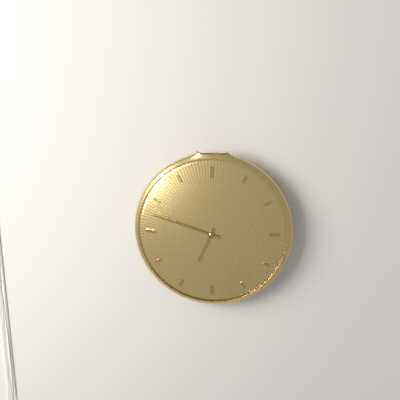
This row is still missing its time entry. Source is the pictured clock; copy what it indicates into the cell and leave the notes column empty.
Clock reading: 6:48
